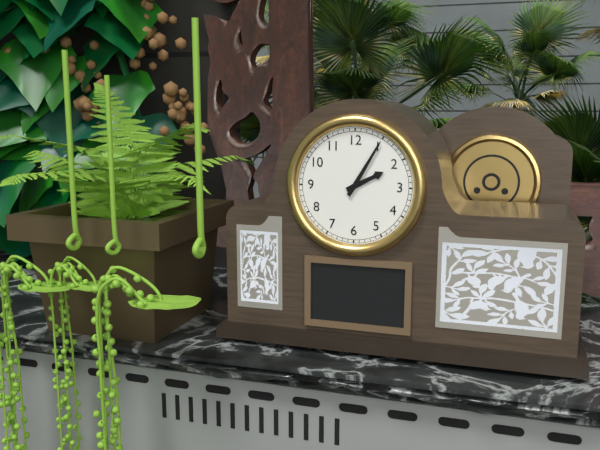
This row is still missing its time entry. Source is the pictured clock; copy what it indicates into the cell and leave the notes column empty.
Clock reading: 2:05
